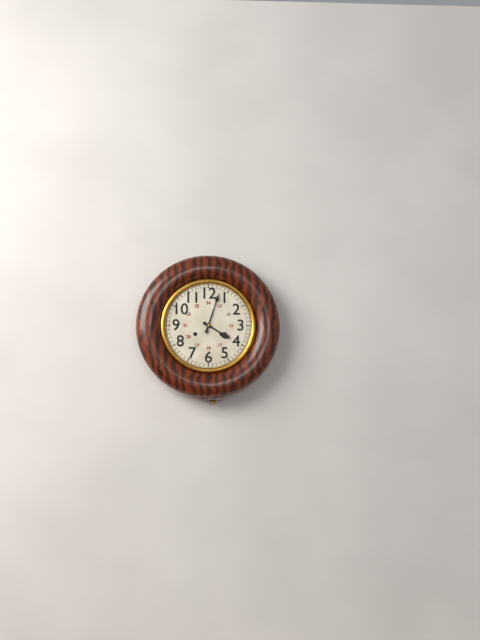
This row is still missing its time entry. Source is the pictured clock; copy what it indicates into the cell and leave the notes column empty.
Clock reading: 4:03
